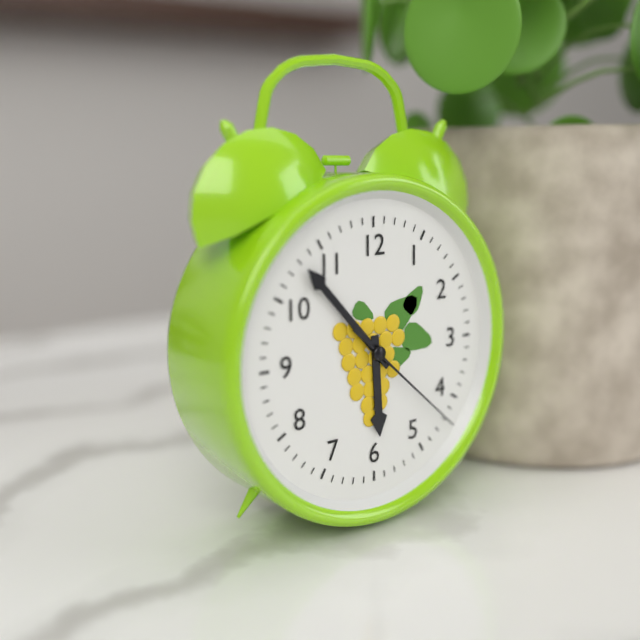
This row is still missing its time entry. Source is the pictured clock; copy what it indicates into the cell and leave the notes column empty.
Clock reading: 5:53:22
